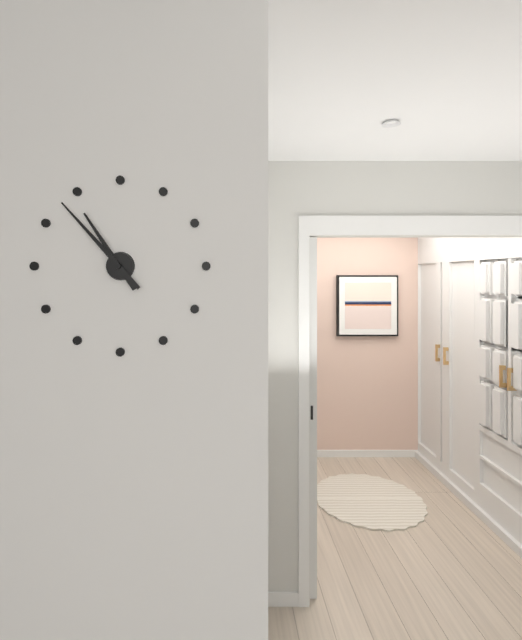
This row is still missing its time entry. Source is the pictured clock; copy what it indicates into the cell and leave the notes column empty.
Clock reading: 10:53
